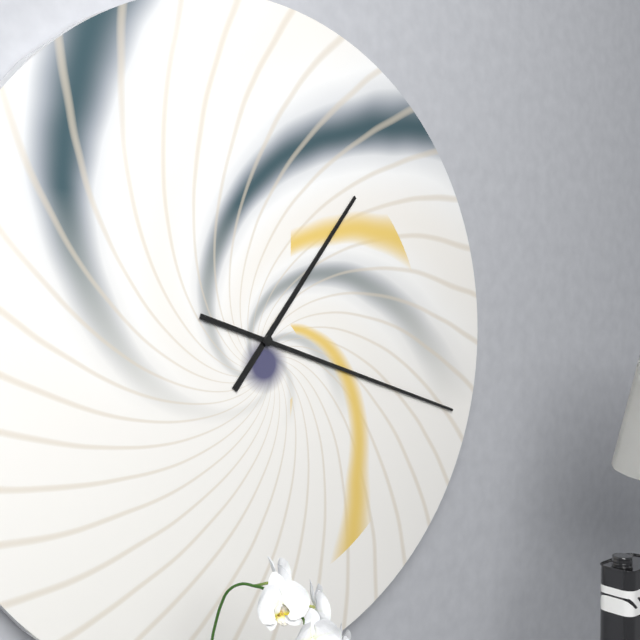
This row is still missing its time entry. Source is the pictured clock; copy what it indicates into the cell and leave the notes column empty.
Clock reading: 1:18
